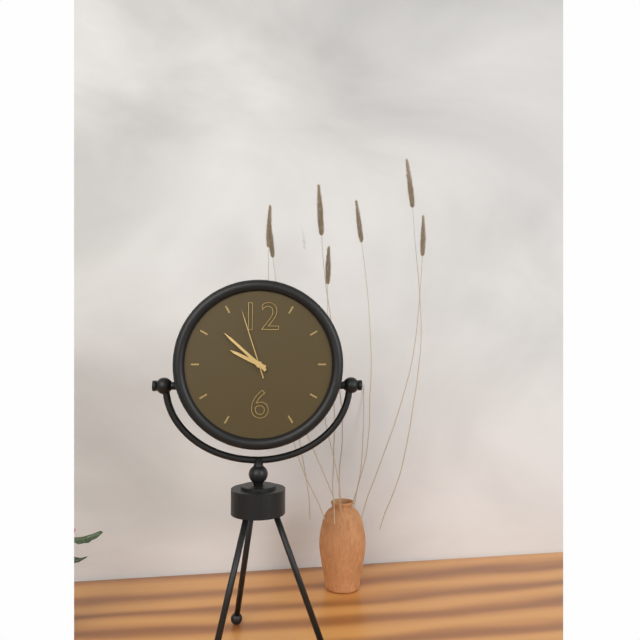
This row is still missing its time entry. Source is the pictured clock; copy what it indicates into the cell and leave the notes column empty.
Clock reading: 9:52:57
